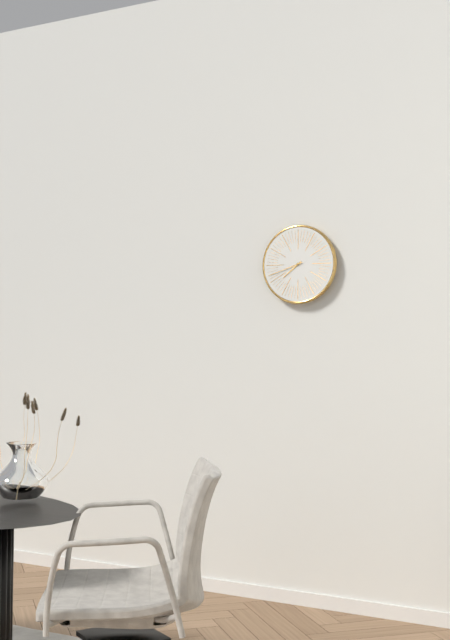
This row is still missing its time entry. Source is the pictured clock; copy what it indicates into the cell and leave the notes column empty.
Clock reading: 7:42
